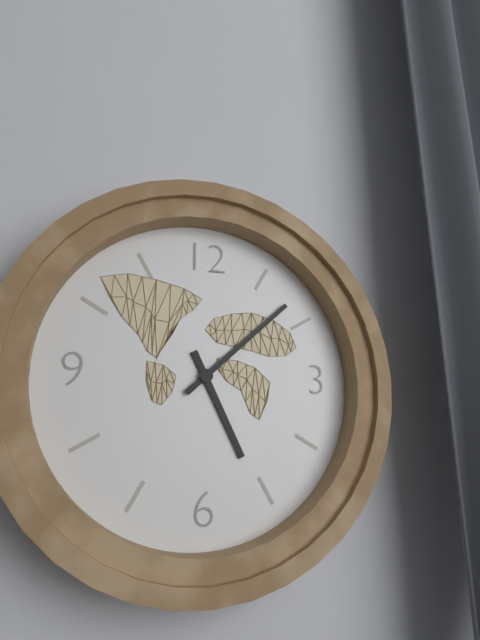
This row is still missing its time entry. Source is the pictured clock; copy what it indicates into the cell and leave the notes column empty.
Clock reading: 5:08
